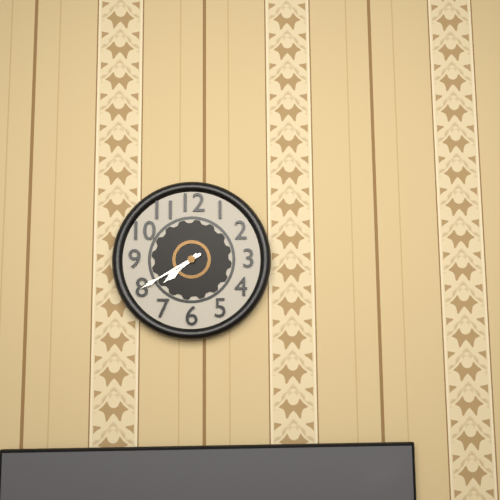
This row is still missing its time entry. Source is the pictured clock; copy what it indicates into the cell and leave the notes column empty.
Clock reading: 7:40
